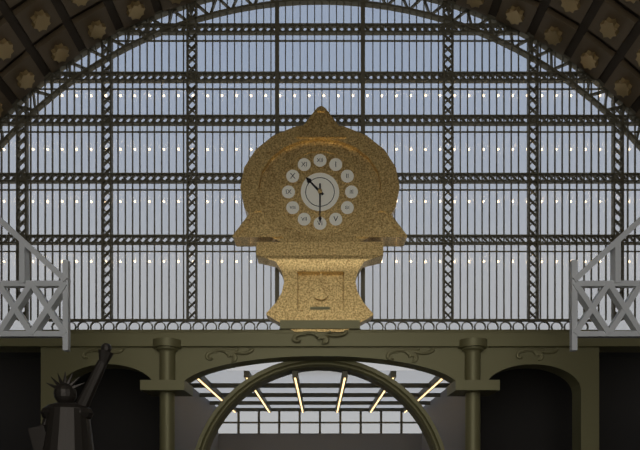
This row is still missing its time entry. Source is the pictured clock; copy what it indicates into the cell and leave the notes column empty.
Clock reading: 10:30
